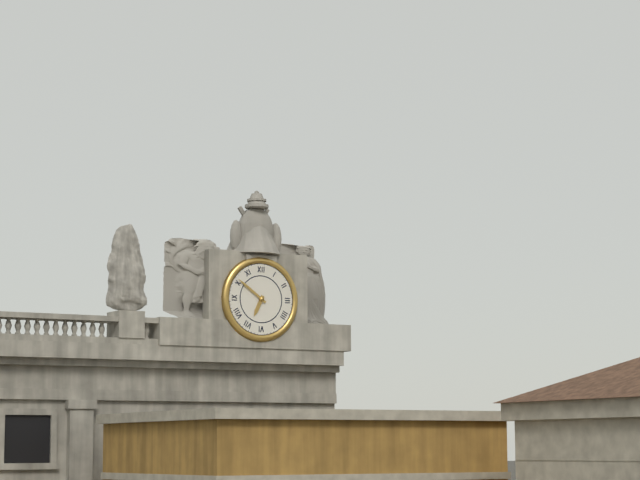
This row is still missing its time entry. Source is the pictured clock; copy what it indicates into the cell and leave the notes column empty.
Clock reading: 6:51
